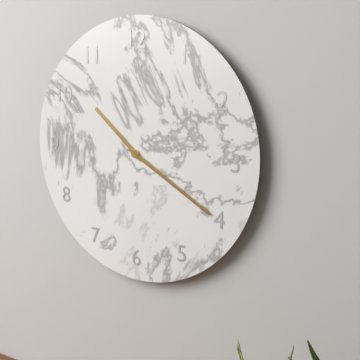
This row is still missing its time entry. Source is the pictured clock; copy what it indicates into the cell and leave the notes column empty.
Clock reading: 10:20
